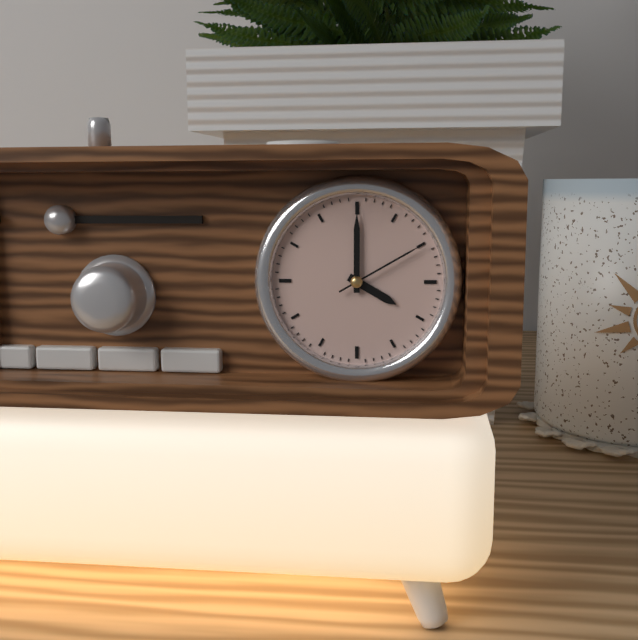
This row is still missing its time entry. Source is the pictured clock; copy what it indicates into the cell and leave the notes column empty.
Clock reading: 4:00:10
